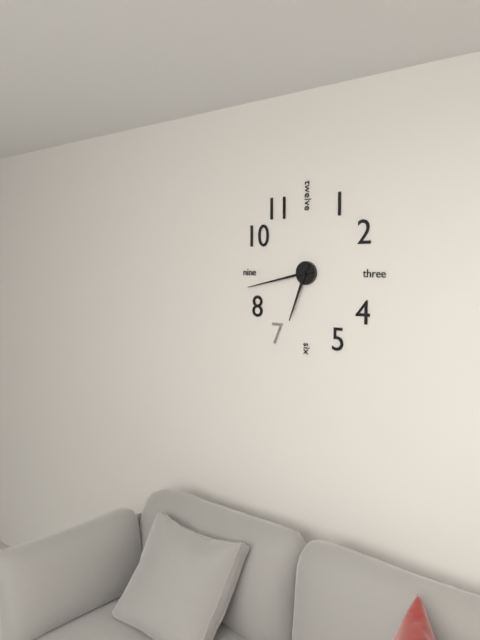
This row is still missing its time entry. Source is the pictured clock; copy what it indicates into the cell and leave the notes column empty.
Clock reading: 6:43
